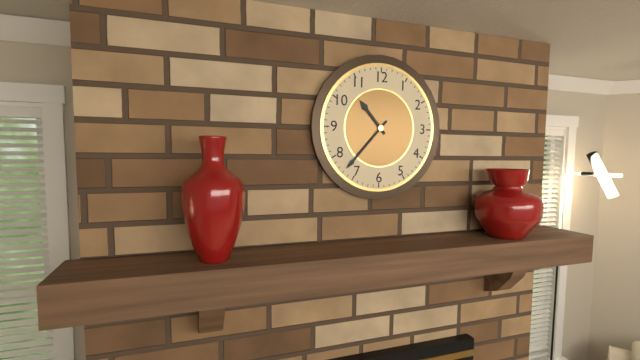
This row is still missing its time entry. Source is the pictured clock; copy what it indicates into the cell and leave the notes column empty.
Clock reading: 10:37
